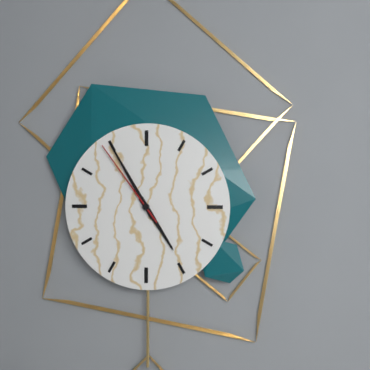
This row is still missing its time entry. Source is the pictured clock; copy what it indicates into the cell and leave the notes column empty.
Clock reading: 4:55:54
